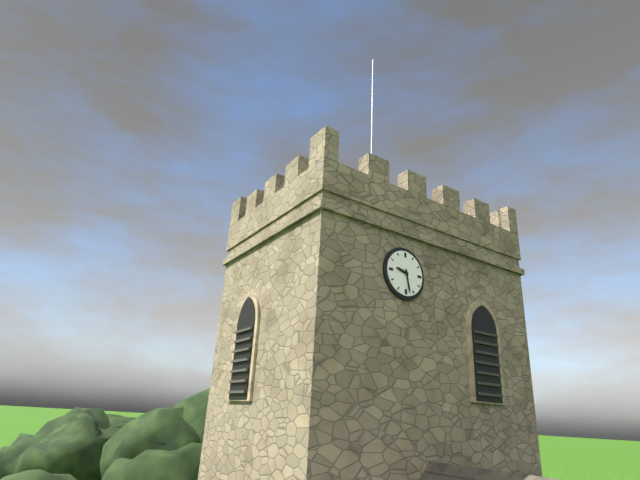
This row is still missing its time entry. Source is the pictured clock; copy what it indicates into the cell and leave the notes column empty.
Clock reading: 9:28
